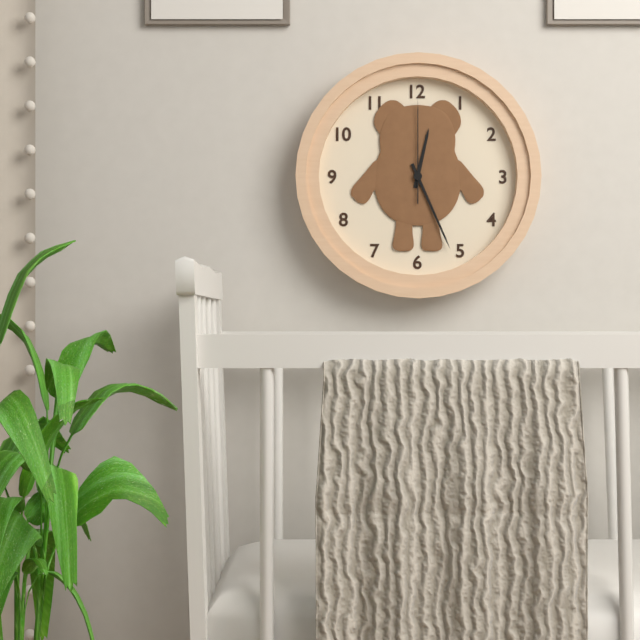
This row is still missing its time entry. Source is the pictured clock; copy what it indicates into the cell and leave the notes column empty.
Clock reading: 12:26:00
